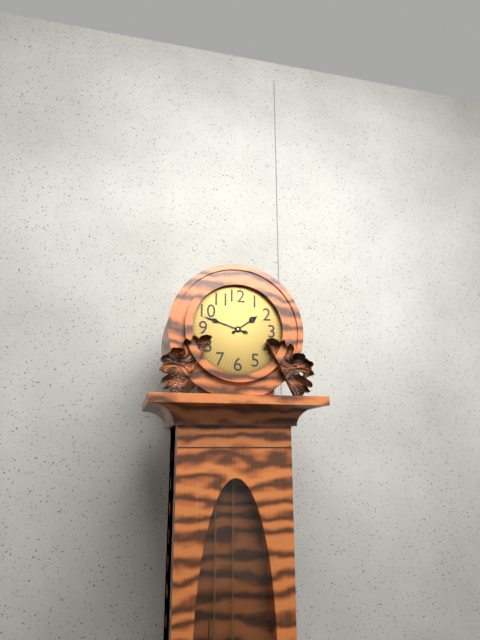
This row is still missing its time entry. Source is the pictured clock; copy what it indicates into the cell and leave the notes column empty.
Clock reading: 1:48
